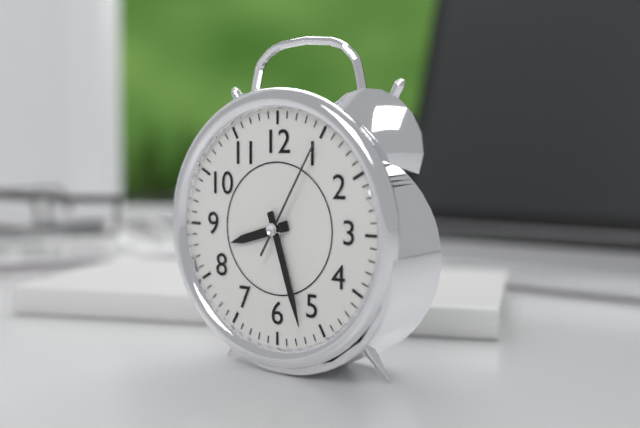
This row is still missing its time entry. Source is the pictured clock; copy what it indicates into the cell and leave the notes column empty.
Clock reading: 8:27:05
